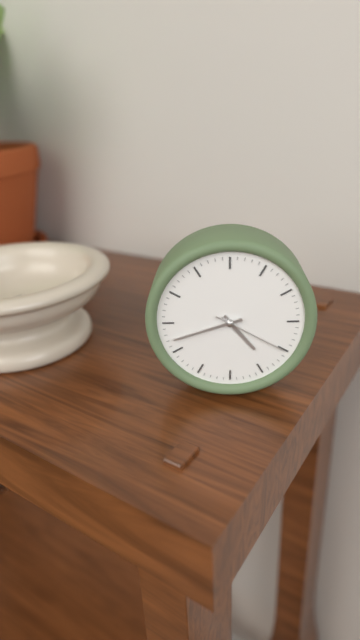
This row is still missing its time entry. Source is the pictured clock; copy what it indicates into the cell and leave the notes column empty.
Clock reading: 4:42:20
